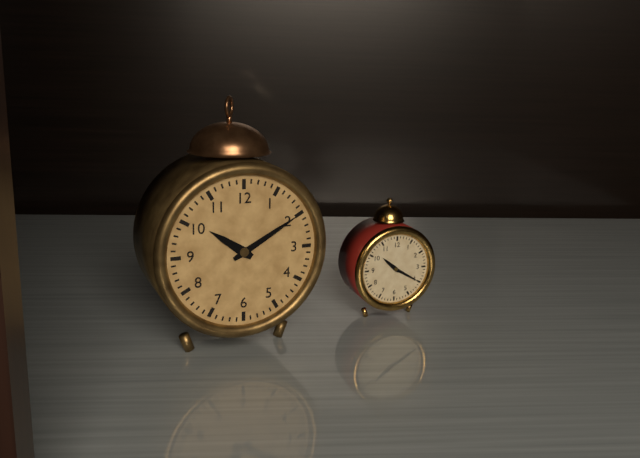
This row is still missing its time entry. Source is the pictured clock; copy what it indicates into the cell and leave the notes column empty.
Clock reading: 10:10
